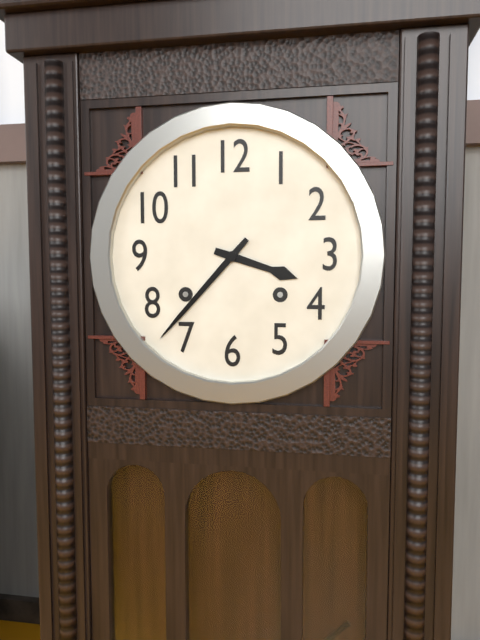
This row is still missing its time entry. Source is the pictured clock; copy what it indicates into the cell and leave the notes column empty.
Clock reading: 3:37
